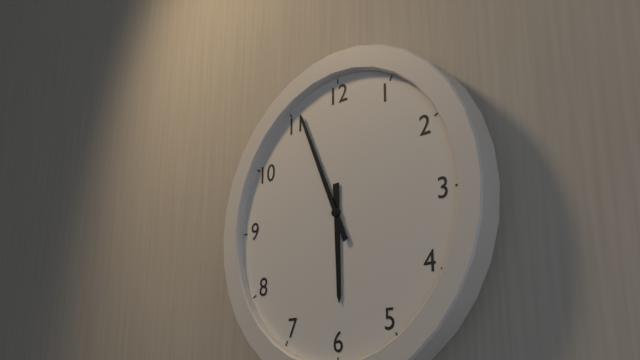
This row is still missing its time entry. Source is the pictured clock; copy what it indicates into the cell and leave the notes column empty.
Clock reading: 5:56
